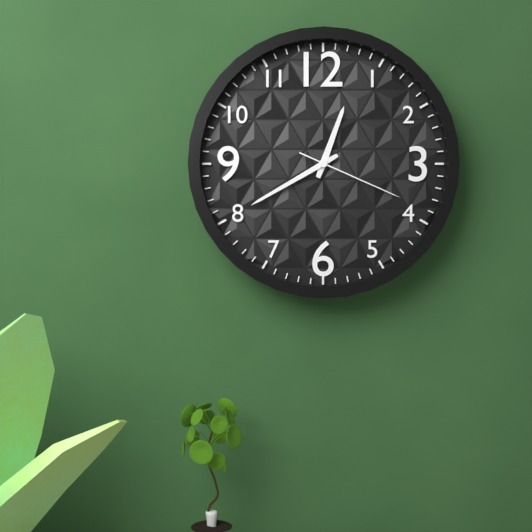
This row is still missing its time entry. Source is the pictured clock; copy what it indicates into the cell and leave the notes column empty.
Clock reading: 12:40:19
